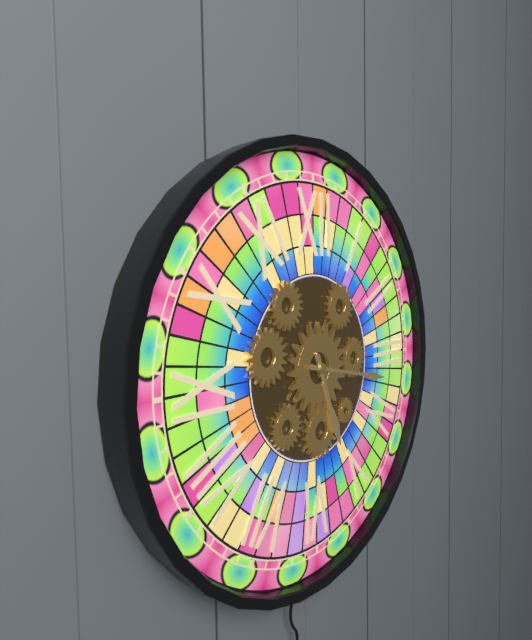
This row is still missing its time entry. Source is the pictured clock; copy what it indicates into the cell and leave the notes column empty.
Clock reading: 5:17
